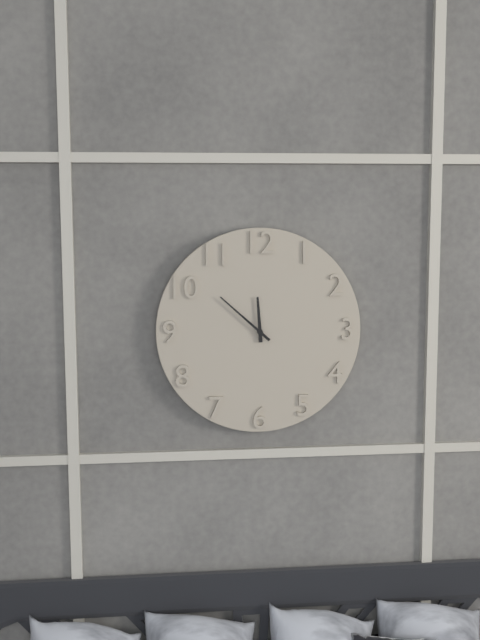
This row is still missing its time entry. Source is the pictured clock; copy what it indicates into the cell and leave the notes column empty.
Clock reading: 11:52
